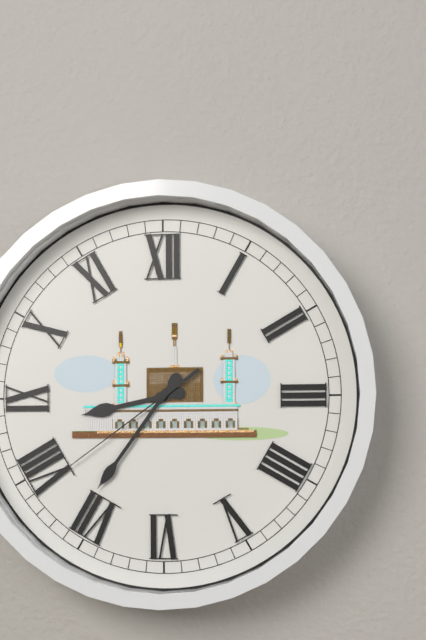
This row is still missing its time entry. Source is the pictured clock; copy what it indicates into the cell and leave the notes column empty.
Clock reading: 8:36:39
